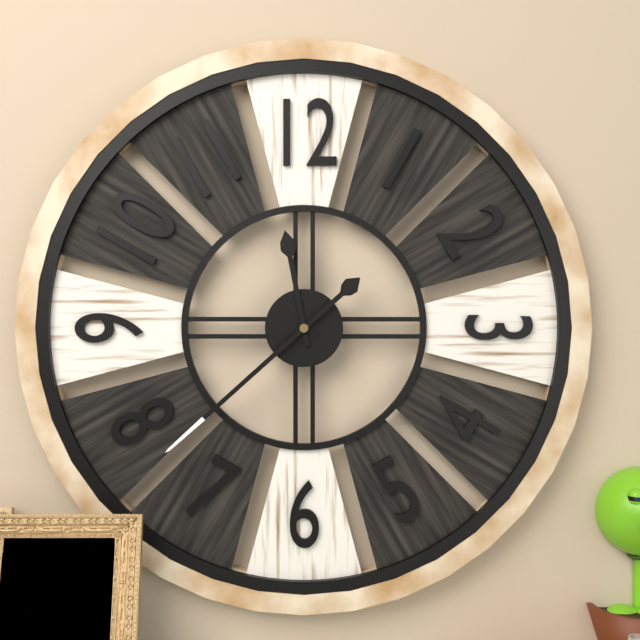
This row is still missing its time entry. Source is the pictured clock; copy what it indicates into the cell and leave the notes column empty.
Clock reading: 11:38
